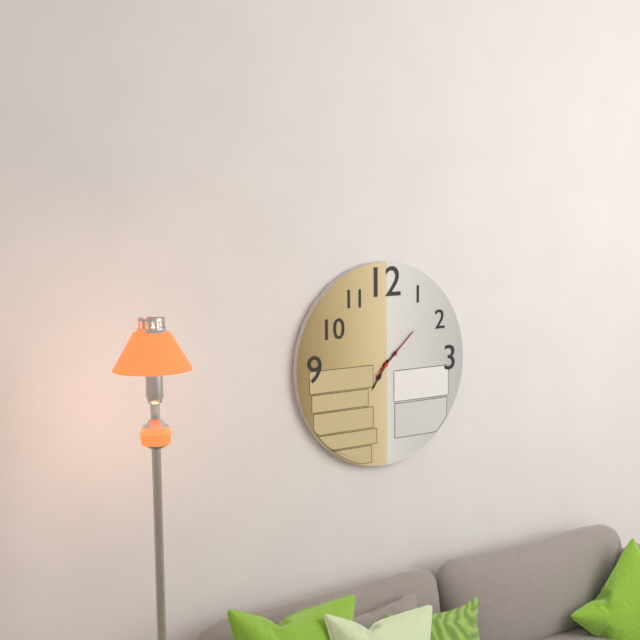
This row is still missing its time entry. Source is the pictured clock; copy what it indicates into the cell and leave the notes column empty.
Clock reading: 7:08:08
